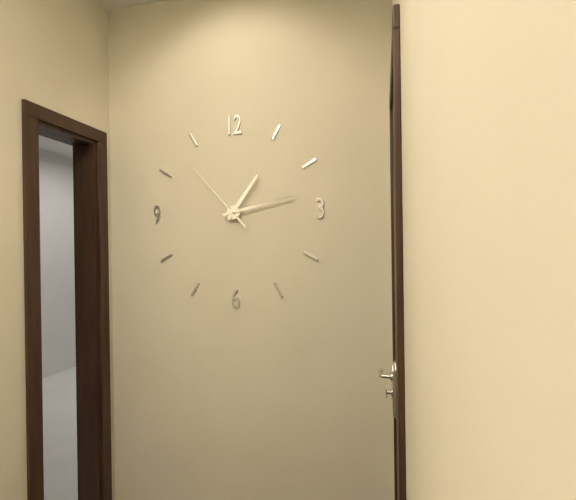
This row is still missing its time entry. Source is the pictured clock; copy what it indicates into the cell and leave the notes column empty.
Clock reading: 1:13:53
